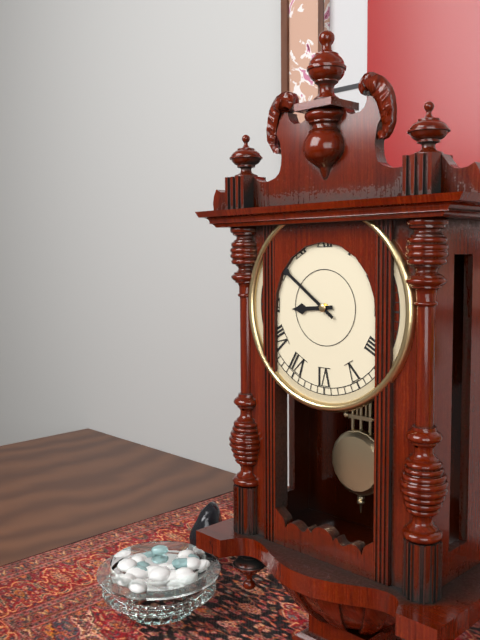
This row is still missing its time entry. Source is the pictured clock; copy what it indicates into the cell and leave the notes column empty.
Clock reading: 8:51
